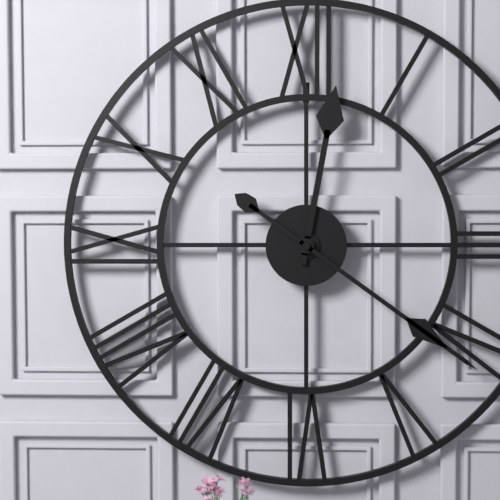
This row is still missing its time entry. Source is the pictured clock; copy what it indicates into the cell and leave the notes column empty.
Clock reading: 12:21
